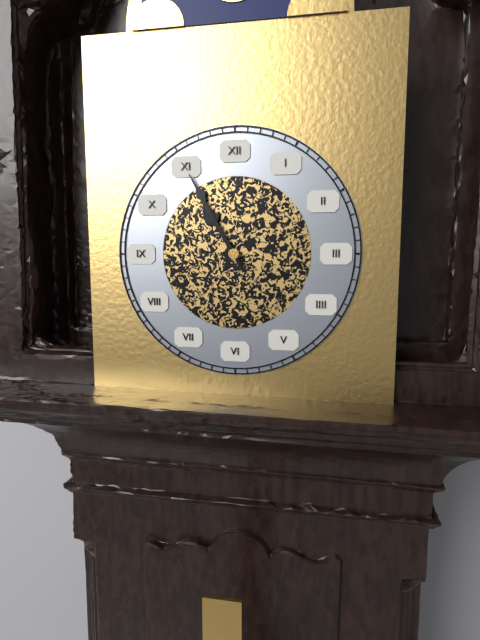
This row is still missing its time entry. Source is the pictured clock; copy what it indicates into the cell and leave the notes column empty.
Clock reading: 10:55
